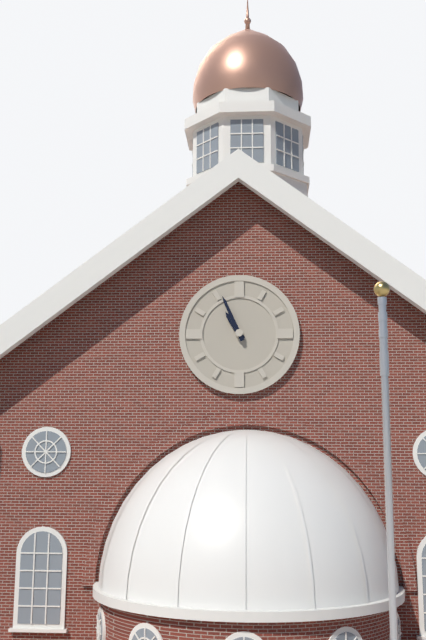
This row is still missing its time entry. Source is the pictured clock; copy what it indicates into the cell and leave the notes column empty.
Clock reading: 10:56
